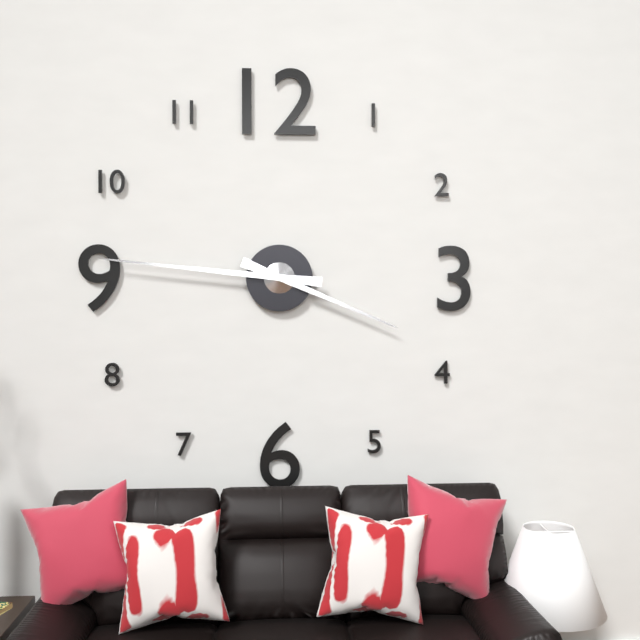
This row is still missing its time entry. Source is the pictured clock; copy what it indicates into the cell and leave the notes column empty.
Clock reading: 3:46
